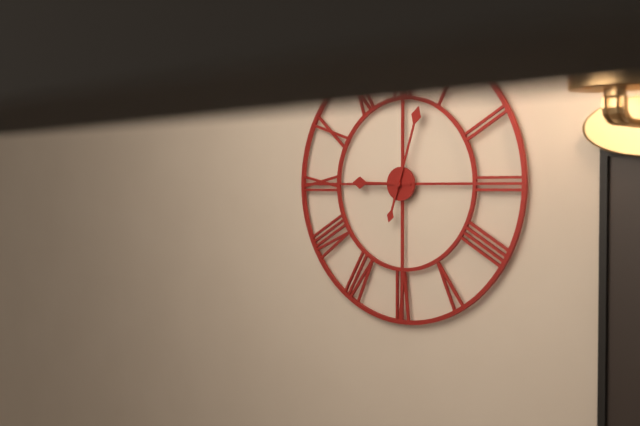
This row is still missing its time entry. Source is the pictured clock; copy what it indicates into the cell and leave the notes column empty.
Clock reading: 9:03
